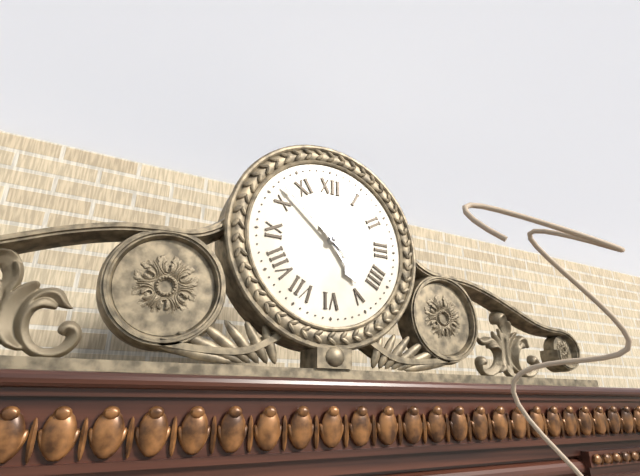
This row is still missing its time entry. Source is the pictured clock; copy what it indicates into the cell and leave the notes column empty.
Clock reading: 4:52
